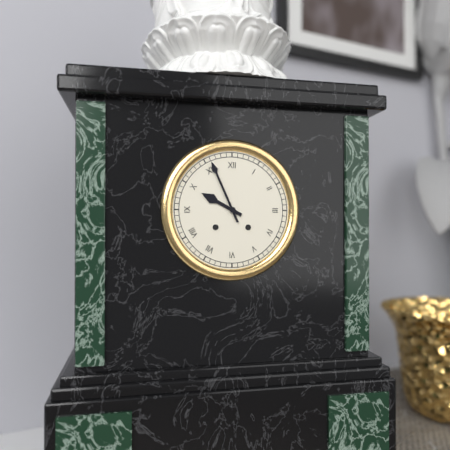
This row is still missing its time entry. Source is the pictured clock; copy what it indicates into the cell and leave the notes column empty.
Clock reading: 9:56
